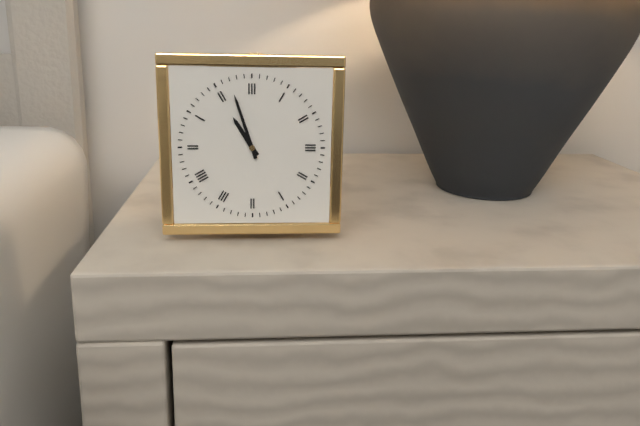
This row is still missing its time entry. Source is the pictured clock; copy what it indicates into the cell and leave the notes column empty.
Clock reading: 10:57
